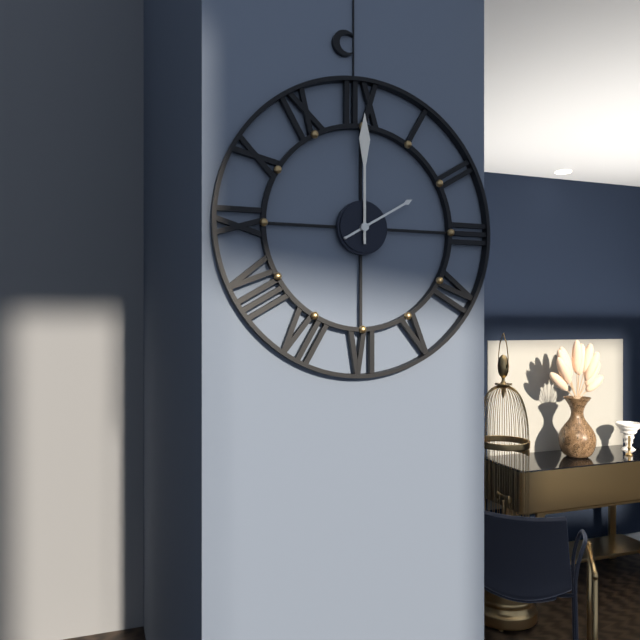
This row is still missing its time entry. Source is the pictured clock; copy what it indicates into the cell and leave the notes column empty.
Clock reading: 2:00
